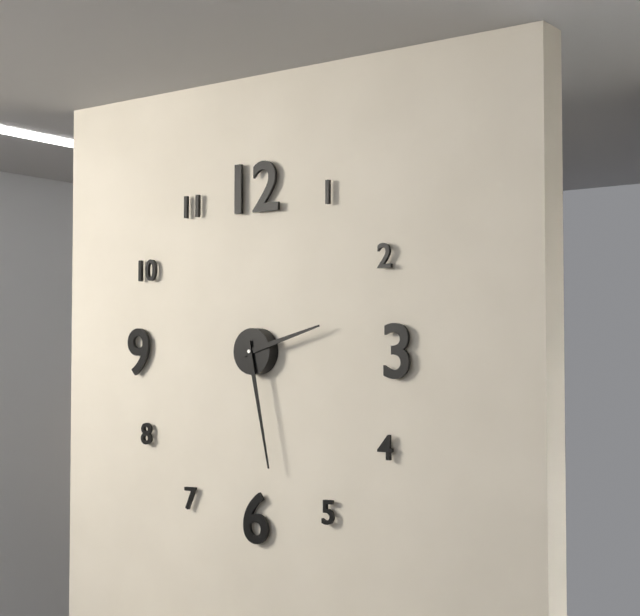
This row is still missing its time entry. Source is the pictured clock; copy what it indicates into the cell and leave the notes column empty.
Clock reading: 2:28
